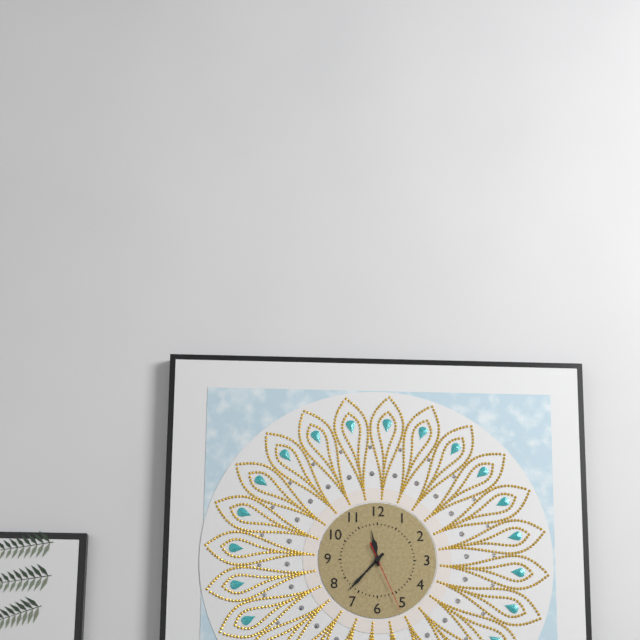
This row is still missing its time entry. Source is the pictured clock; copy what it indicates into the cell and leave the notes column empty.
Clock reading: 11:37:26
